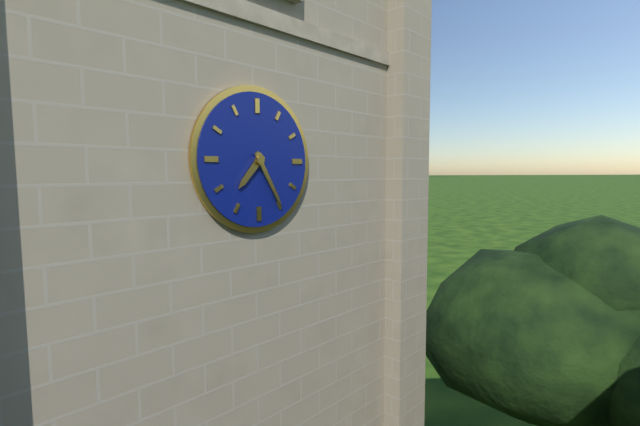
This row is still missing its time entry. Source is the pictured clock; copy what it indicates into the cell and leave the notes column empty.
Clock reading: 7:25
